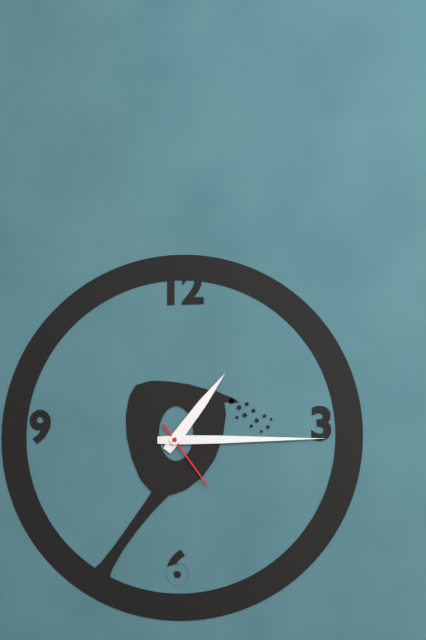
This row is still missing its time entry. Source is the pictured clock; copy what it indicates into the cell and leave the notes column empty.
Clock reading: 1:15:24
